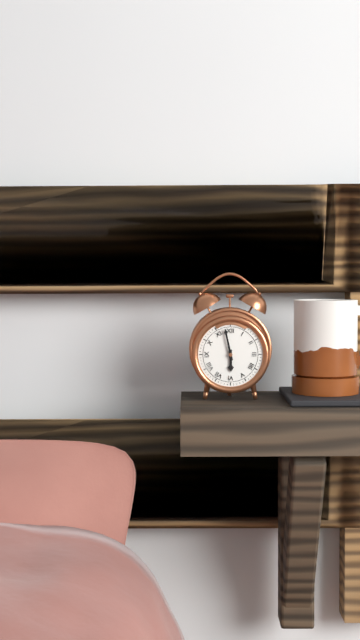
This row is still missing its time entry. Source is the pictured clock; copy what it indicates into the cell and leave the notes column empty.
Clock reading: 5:58
